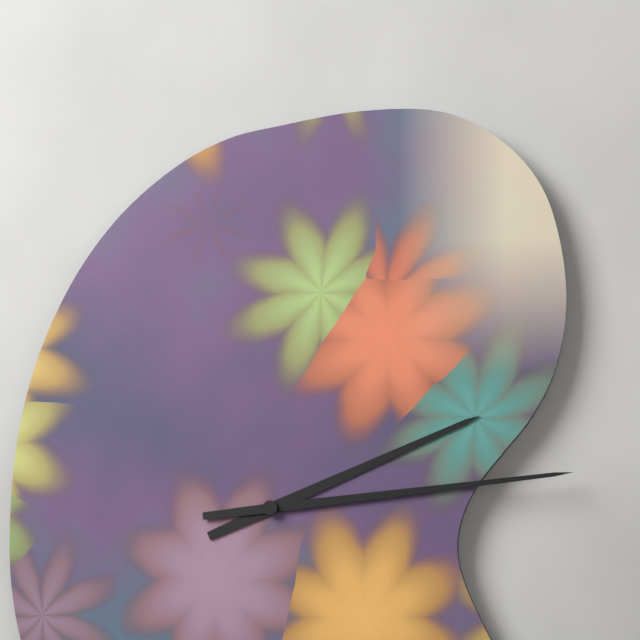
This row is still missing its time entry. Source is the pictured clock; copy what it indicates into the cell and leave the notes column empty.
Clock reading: 2:14
